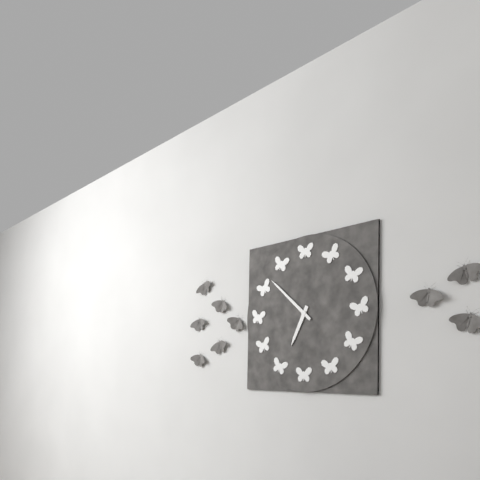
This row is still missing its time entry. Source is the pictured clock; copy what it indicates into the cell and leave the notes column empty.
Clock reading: 6:52
